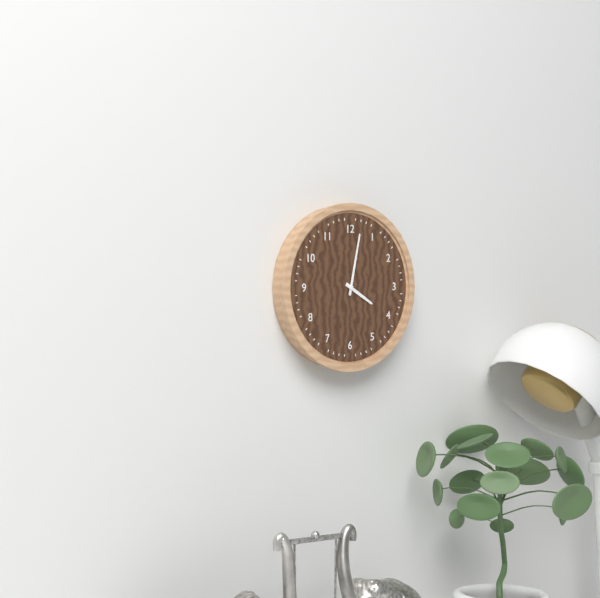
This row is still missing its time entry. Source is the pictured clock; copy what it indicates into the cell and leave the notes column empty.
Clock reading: 4:02
